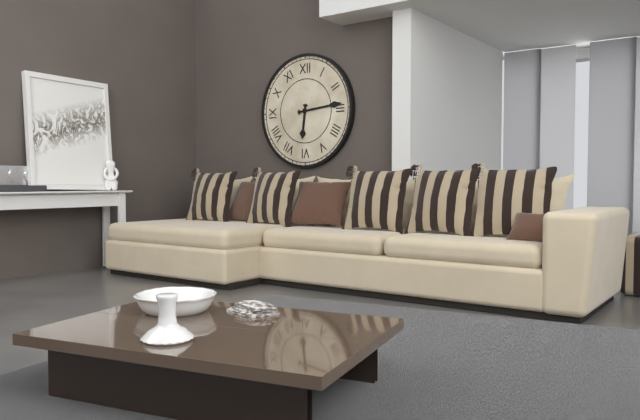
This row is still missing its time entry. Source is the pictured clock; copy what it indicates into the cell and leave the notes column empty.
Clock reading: 6:14
